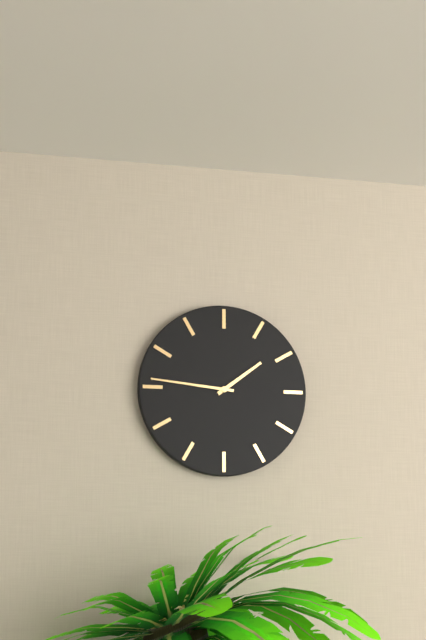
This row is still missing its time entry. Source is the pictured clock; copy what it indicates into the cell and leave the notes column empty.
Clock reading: 1:46
